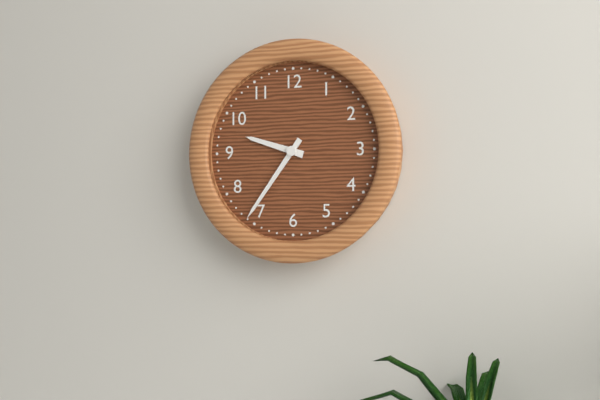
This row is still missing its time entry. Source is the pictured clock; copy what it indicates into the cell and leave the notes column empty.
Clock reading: 9:36
